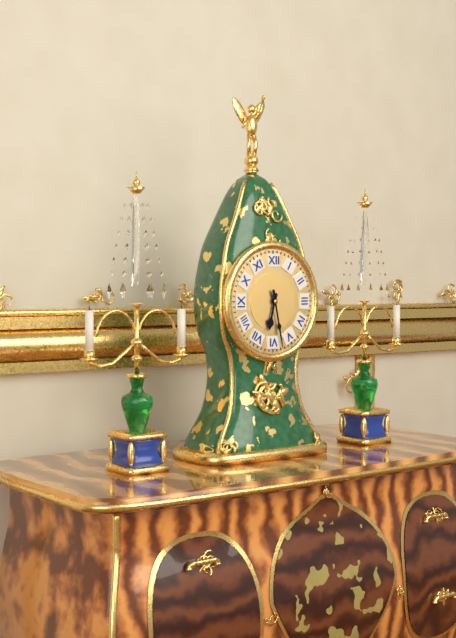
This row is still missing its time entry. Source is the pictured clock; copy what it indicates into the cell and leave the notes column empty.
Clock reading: 6:28
